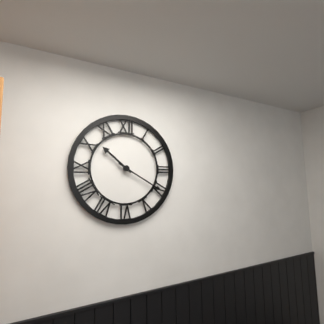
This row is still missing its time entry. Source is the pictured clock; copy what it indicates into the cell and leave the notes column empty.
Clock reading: 10:20
